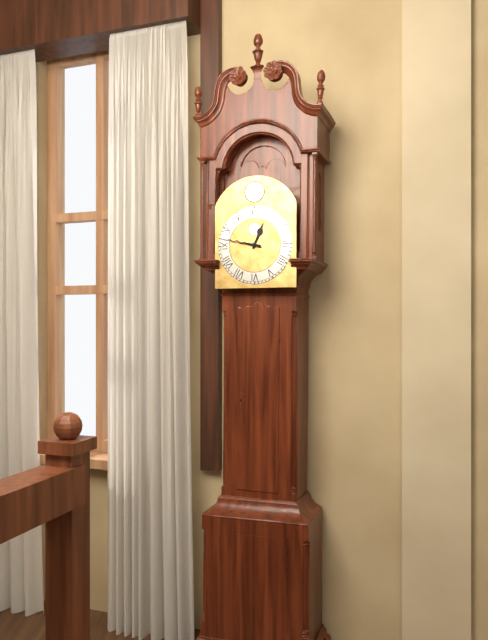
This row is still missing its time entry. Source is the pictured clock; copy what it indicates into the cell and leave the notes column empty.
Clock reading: 12:47
